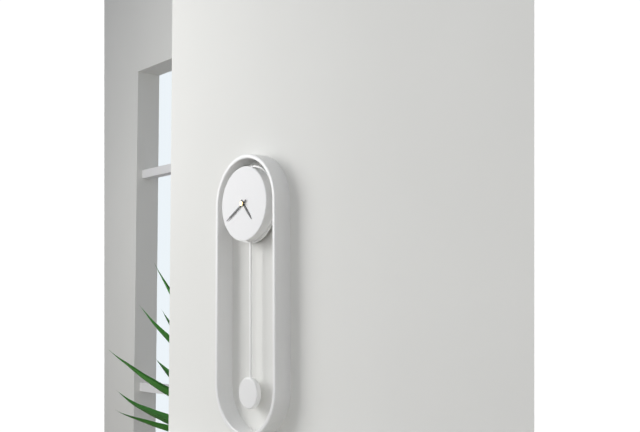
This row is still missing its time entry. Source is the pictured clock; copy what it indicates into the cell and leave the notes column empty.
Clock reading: 4:40
